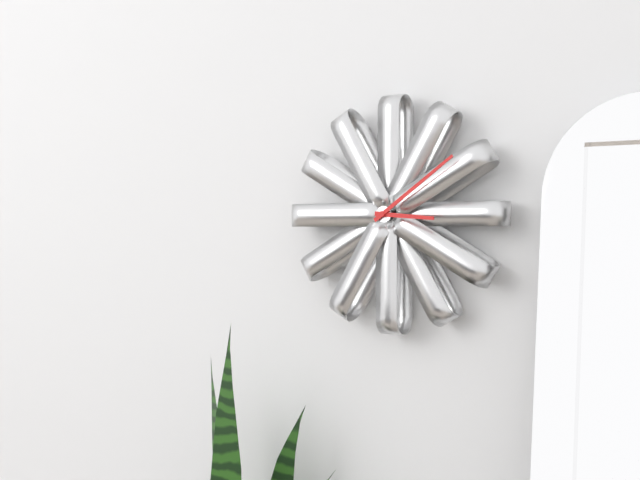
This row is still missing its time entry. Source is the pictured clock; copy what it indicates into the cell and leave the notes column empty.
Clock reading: 3:09
